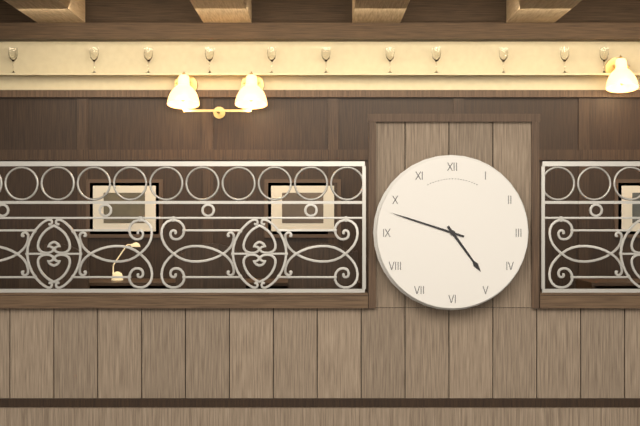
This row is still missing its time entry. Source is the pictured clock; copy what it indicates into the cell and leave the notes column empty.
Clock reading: 4:48
